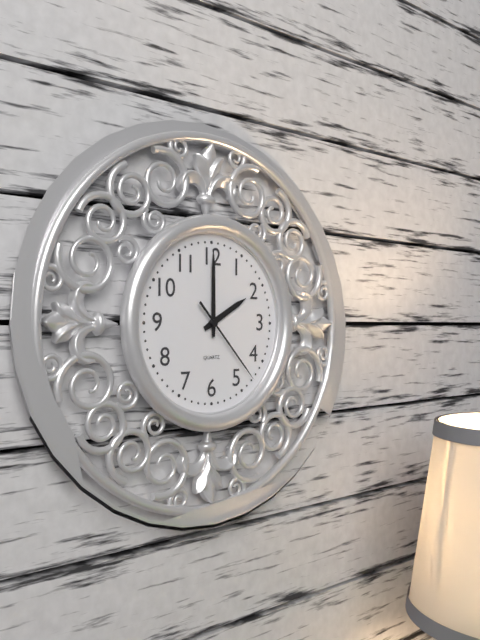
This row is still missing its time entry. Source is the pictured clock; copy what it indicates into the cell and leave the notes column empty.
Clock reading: 2:00:23
